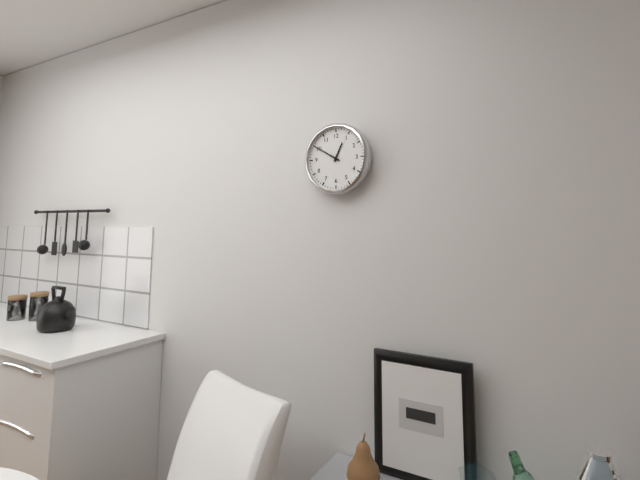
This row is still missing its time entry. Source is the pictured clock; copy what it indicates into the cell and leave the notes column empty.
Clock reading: 12:50
